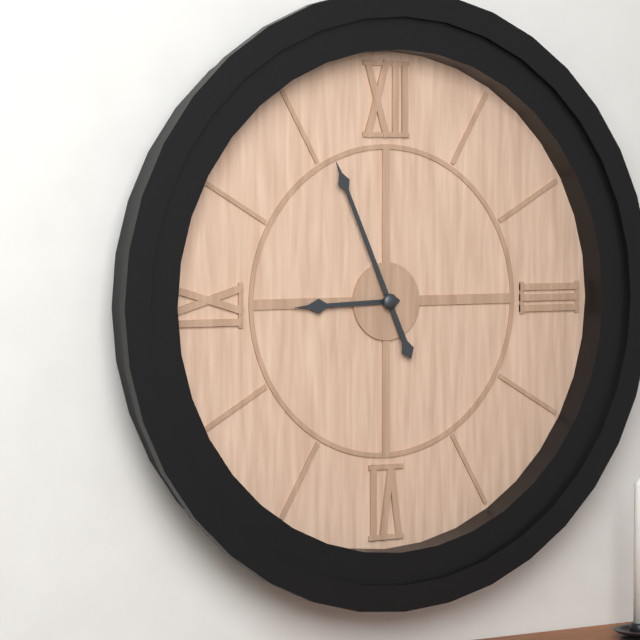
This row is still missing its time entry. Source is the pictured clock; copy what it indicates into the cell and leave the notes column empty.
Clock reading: 8:56
